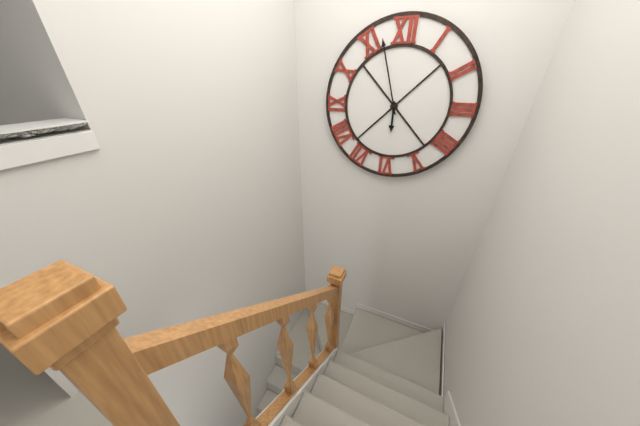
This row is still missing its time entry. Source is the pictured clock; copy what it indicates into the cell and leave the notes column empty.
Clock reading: 5:57
